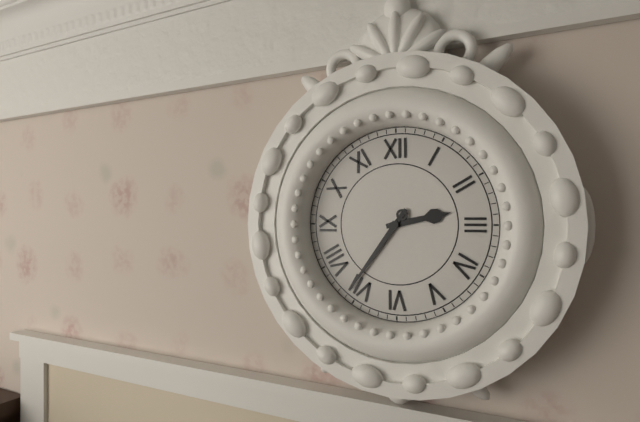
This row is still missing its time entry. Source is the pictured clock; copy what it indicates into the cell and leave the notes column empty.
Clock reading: 2:36
